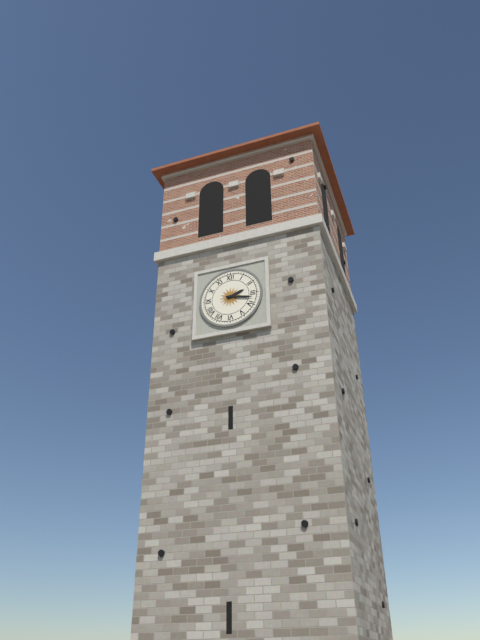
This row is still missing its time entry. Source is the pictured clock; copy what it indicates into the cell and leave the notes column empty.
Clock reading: 2:17
